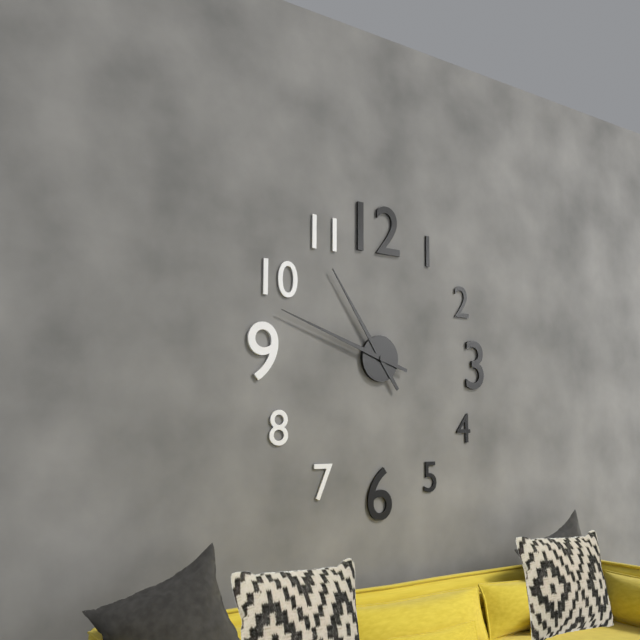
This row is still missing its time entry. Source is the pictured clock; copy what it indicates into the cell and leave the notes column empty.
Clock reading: 10:48
